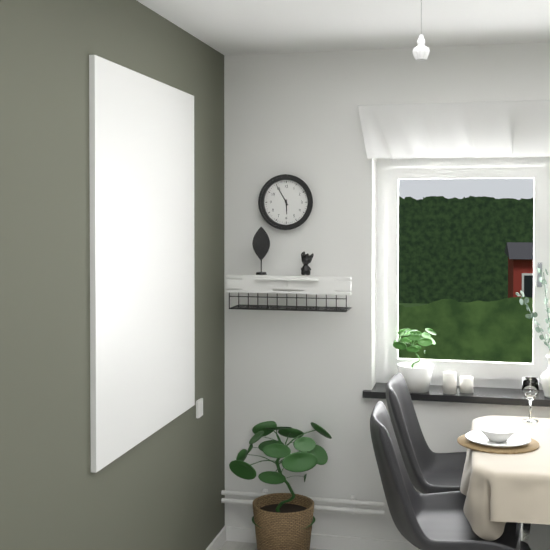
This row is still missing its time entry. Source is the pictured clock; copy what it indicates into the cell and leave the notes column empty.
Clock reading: 5:55
